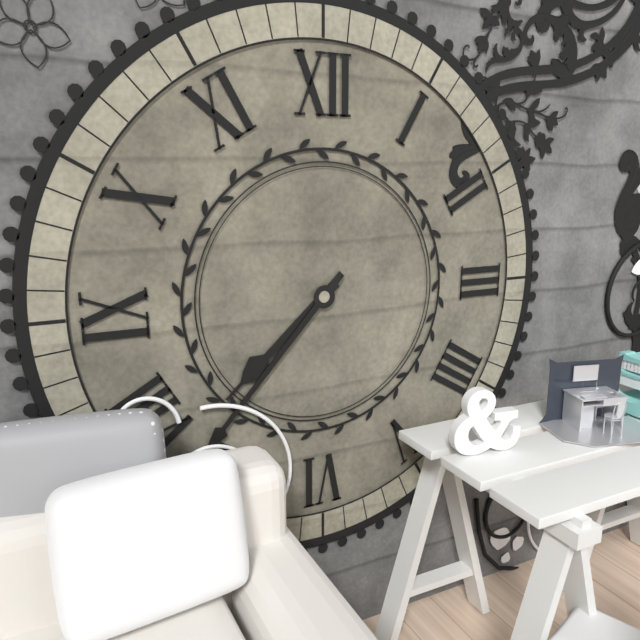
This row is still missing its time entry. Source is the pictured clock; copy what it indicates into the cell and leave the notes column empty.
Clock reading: 7:37
